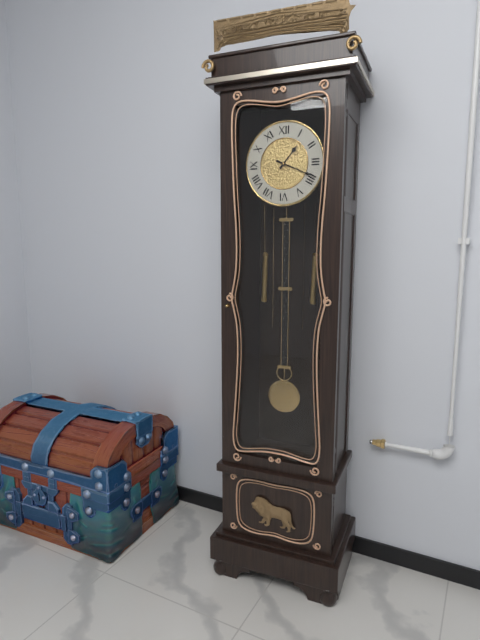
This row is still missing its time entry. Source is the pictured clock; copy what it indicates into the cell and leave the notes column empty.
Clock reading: 1:19
